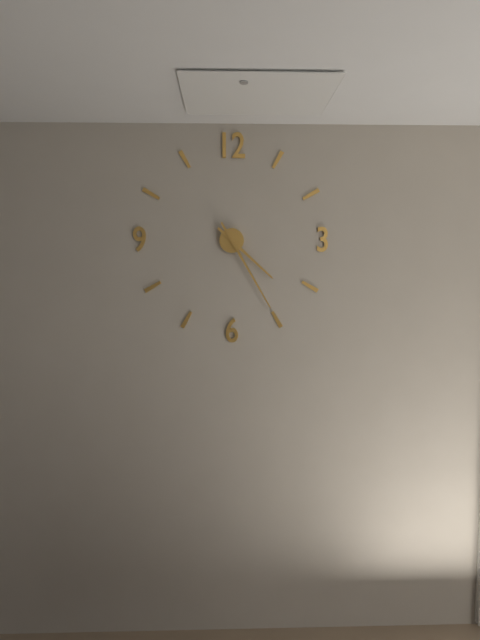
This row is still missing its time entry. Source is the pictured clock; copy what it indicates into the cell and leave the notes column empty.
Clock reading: 4:25
